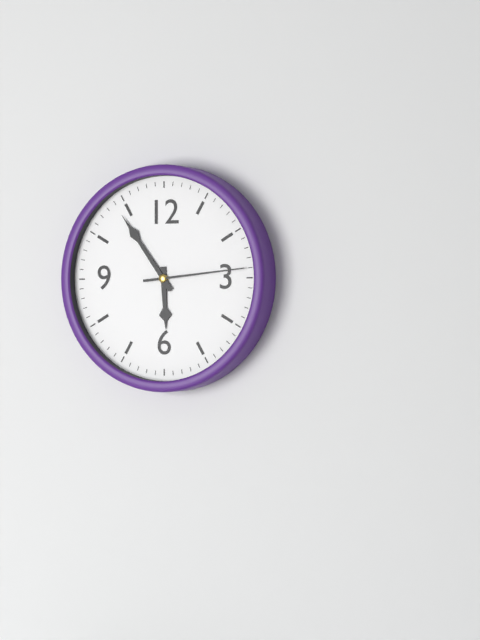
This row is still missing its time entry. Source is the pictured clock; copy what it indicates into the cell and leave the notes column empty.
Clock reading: 5:54:14
